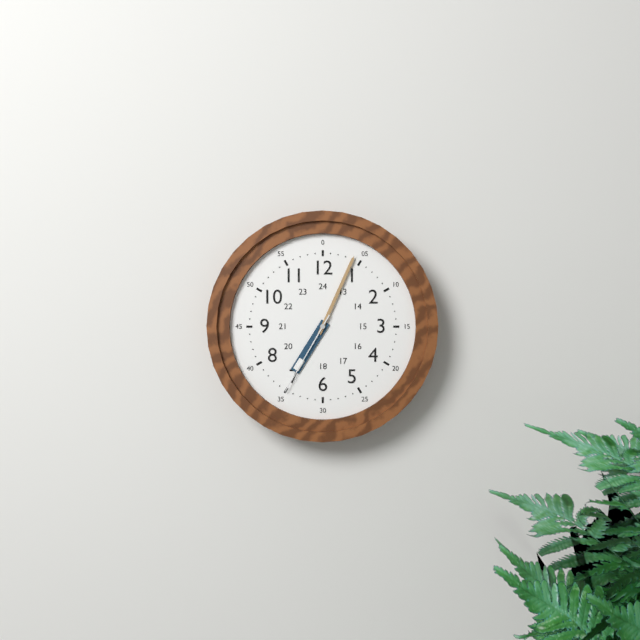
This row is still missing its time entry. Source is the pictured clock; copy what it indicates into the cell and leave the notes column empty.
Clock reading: 7:04:35
